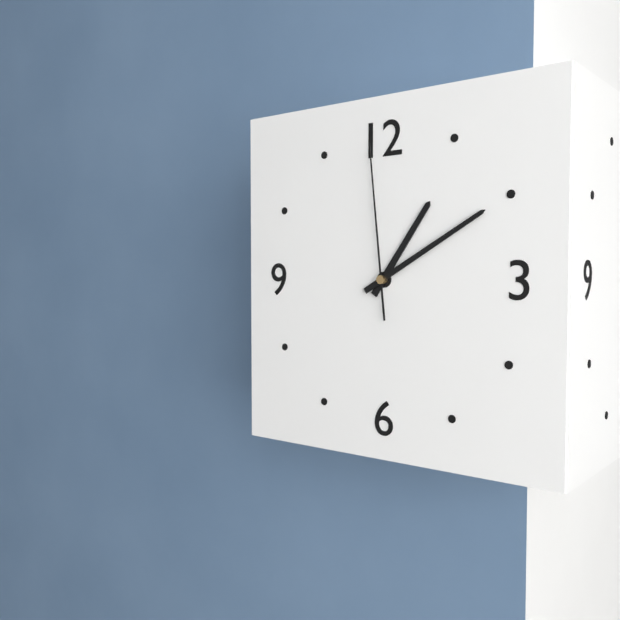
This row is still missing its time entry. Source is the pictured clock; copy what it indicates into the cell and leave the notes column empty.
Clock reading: 1:10:59
